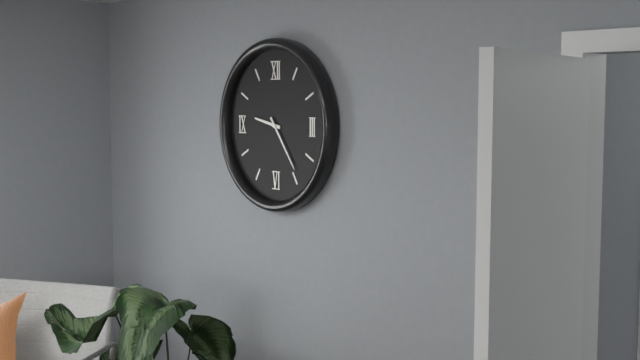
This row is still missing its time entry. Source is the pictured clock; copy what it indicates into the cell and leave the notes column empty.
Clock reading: 9:24
